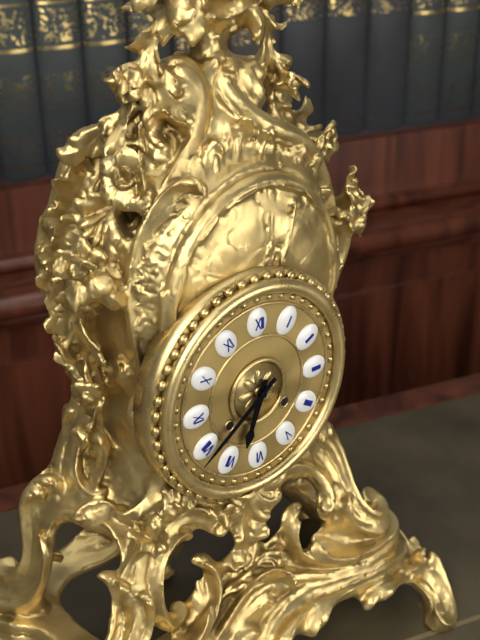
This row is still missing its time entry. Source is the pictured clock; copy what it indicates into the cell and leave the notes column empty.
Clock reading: 6:39
